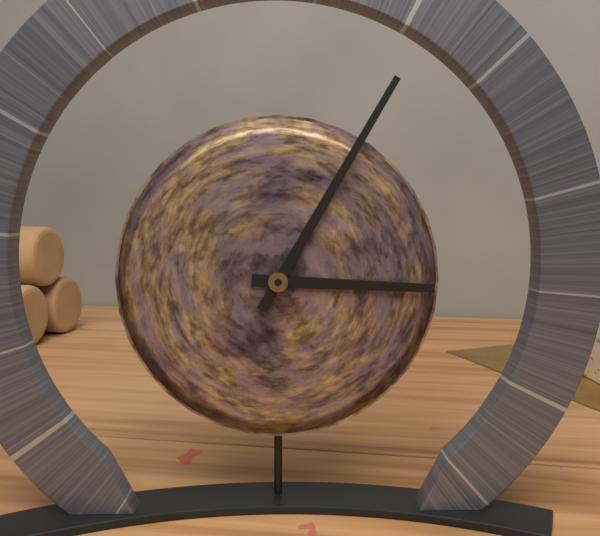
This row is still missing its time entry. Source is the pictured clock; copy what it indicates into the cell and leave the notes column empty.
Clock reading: 3:05
